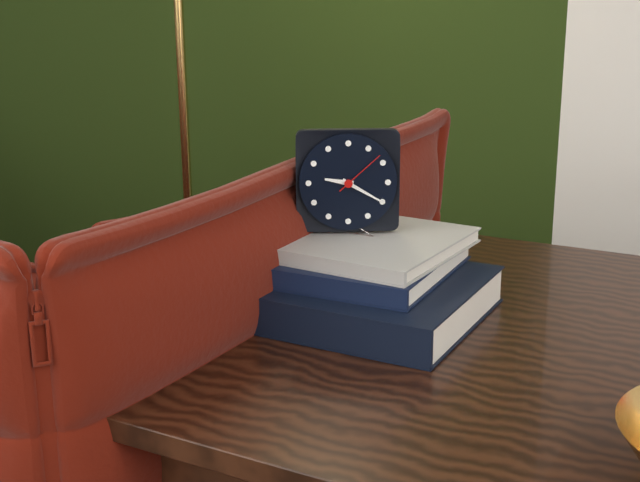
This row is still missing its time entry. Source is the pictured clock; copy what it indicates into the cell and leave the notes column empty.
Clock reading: 9:20:08
